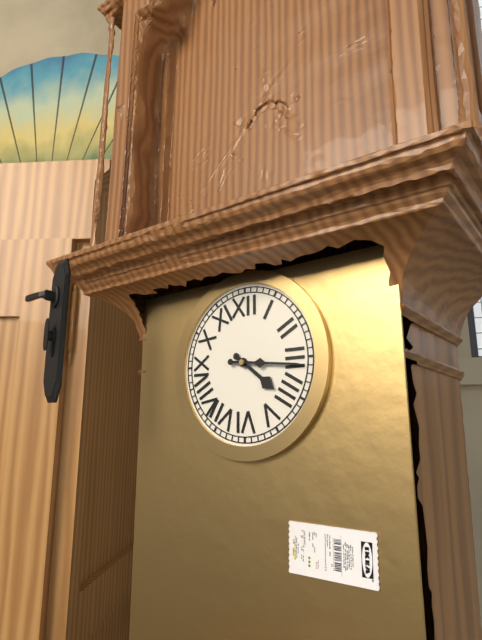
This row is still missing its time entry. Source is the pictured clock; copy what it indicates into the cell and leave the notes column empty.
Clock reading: 4:16
